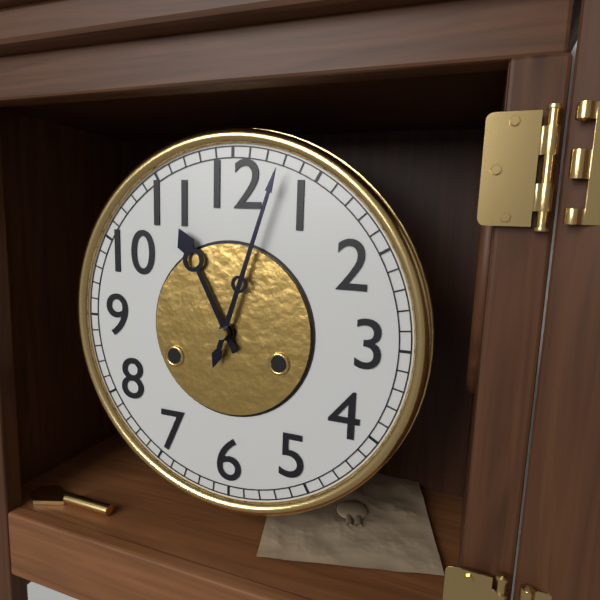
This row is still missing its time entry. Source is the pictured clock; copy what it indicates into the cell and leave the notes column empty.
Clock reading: 11:03
